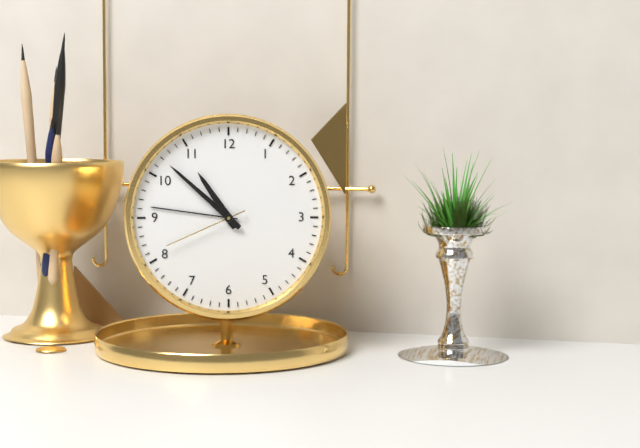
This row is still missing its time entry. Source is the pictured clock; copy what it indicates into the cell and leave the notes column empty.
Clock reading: 10:52:41
